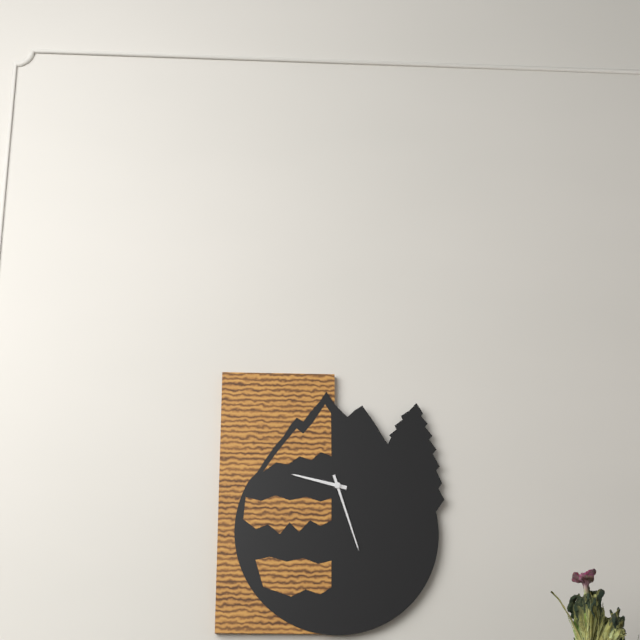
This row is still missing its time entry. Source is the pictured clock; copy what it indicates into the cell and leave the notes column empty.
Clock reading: 9:27
